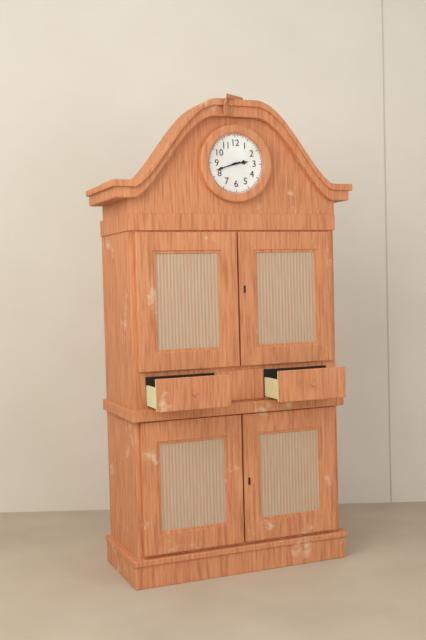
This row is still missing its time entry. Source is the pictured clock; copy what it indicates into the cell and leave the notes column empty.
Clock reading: 2:42
